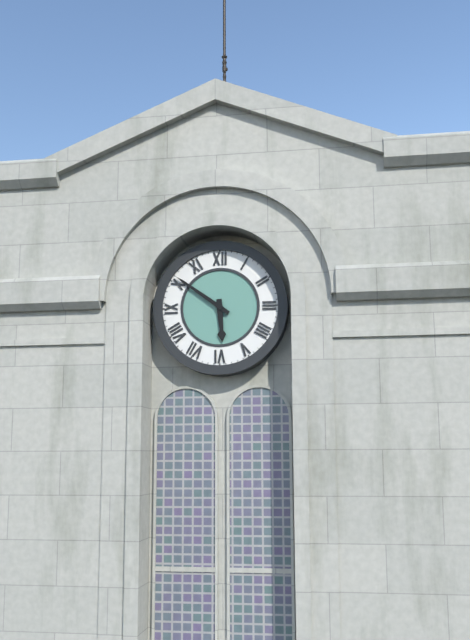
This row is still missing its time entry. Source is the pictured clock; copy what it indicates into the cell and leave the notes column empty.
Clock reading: 5:51
